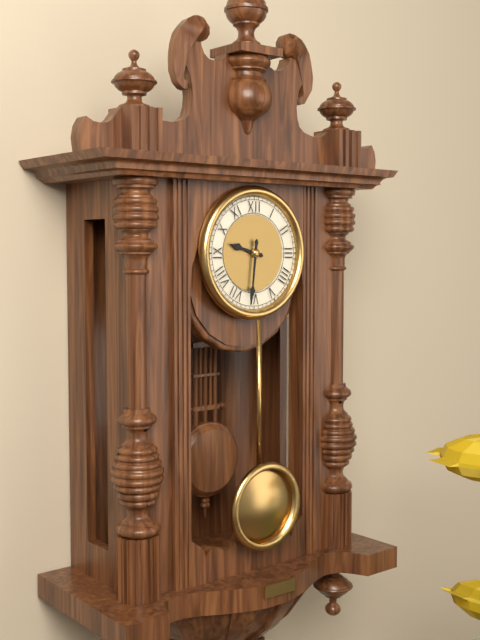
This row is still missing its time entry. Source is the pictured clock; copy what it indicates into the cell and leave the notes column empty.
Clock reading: 9:31
